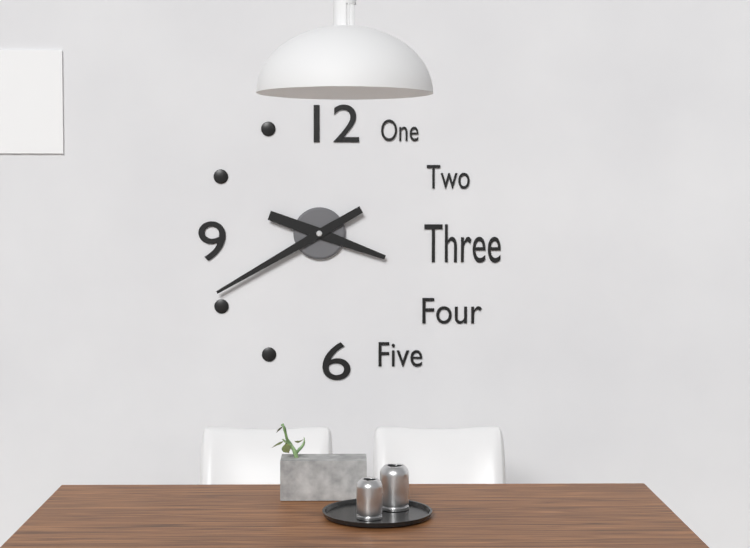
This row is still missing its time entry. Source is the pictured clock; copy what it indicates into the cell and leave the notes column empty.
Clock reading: 3:40
